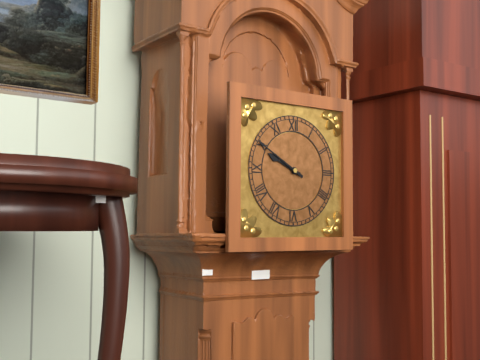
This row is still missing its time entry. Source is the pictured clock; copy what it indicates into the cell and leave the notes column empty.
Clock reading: 9:50
